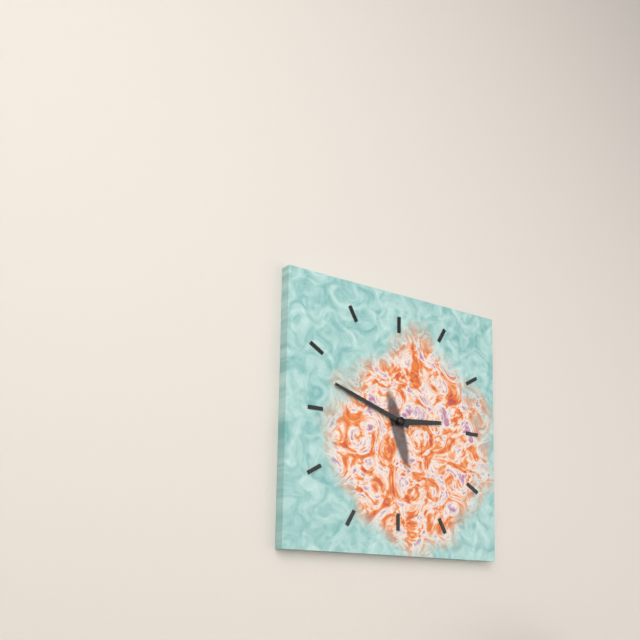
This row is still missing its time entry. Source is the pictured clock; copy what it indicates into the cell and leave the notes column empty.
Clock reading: 2:48
